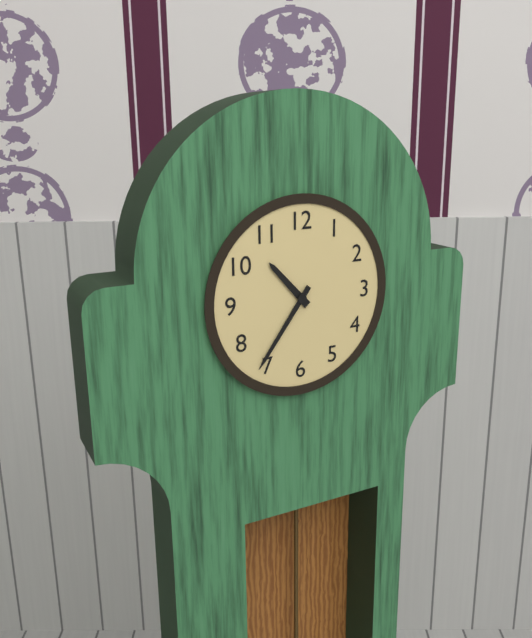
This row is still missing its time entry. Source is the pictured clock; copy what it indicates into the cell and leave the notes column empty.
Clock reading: 10:36
